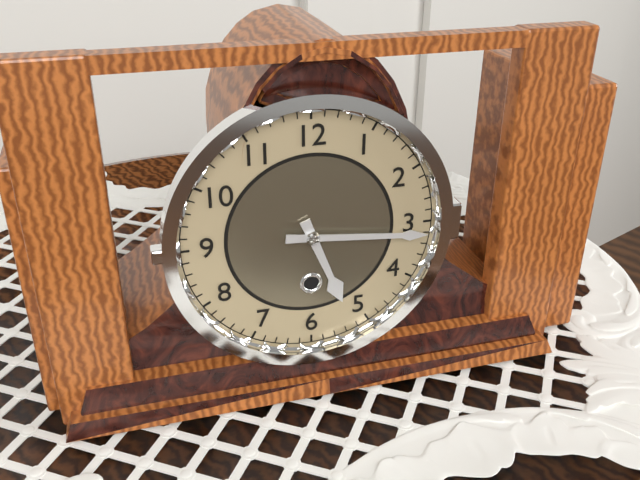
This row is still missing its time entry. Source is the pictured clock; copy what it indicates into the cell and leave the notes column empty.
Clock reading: 5:16
